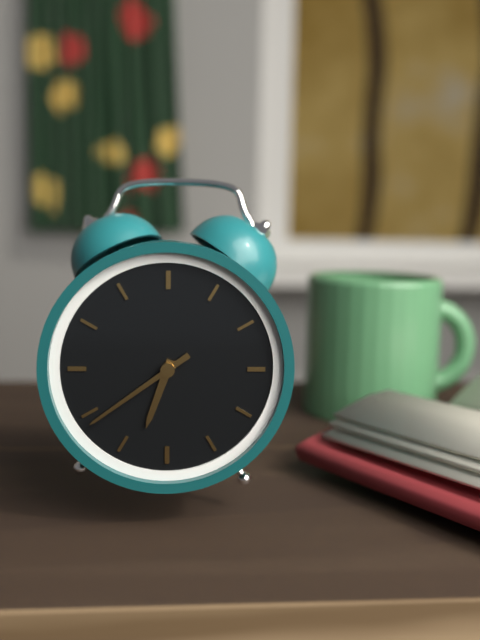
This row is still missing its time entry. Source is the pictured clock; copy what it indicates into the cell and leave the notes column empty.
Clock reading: 6:39
